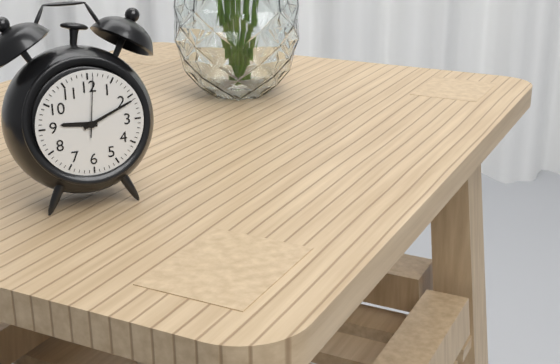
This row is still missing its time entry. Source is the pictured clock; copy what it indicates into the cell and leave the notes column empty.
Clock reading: 9:11:01
